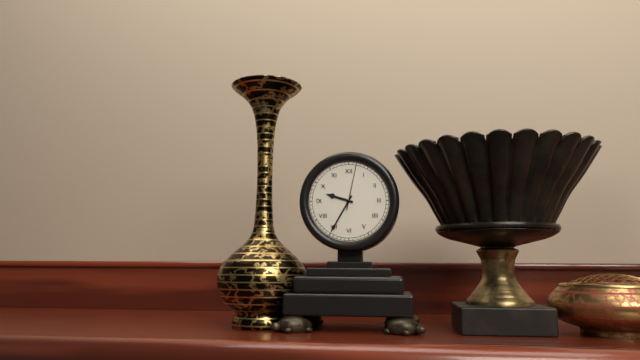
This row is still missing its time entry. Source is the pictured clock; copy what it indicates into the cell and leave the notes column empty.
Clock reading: 9:35
